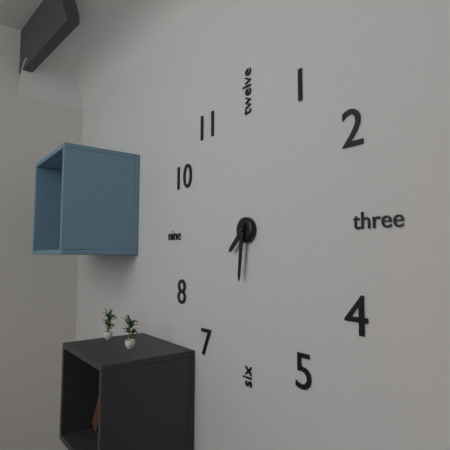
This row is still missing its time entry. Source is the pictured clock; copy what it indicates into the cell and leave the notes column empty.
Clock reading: 7:31
